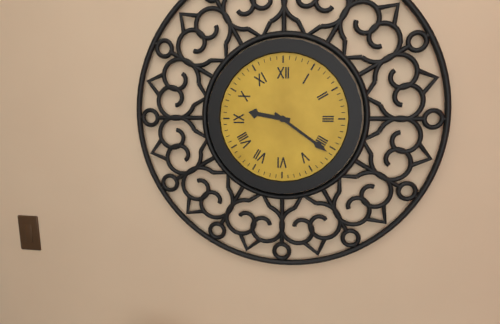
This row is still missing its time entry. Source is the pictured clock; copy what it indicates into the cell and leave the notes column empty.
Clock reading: 9:21
